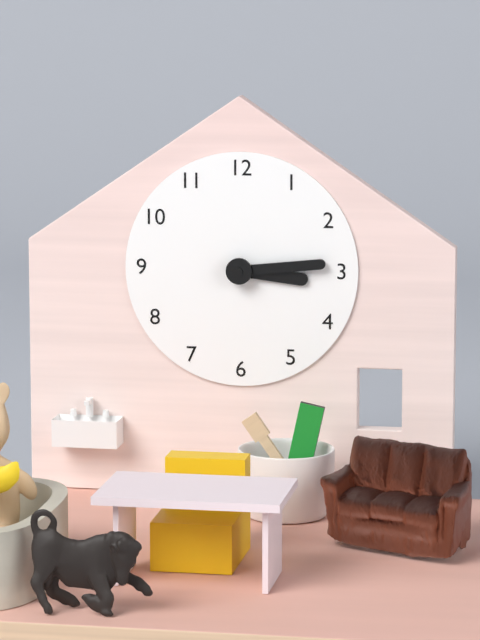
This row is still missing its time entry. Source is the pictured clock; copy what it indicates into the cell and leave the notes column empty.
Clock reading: 3:14
